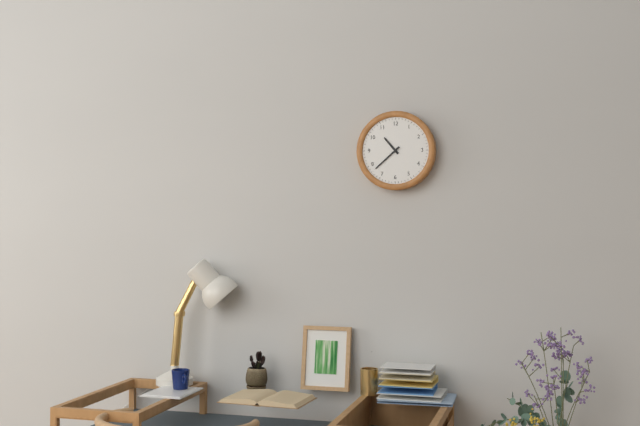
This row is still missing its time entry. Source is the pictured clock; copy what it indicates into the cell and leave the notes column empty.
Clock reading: 10:38
